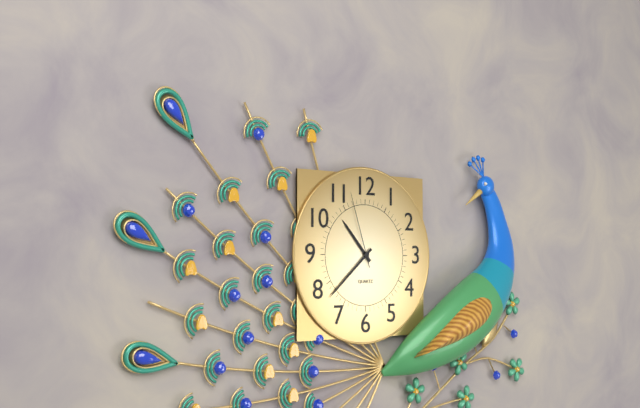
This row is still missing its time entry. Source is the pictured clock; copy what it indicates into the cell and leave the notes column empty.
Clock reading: 10:38:57
